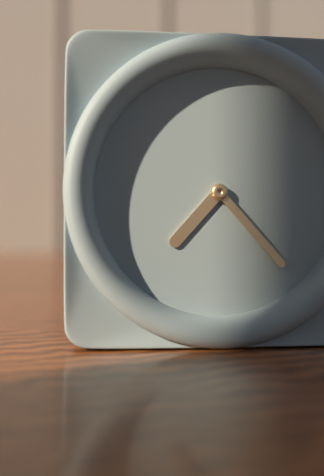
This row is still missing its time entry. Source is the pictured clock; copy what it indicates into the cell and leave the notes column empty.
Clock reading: 7:23
